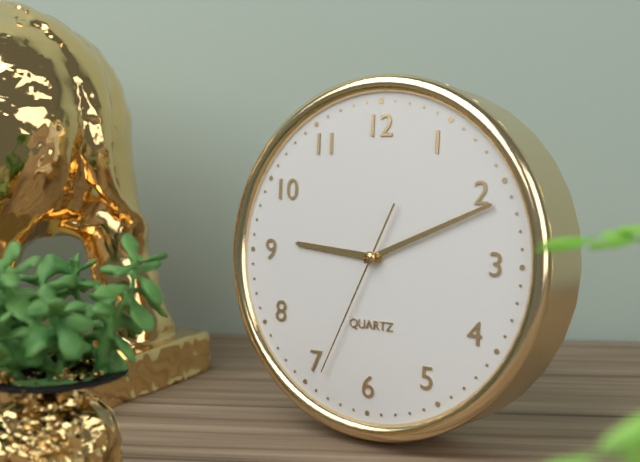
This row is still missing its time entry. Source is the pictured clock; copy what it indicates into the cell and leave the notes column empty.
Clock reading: 9:11:34
